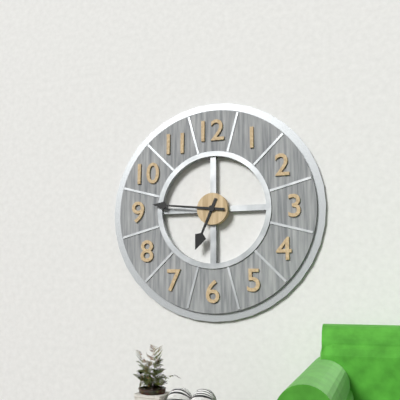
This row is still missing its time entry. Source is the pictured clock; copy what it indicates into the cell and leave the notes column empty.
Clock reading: 6:46
